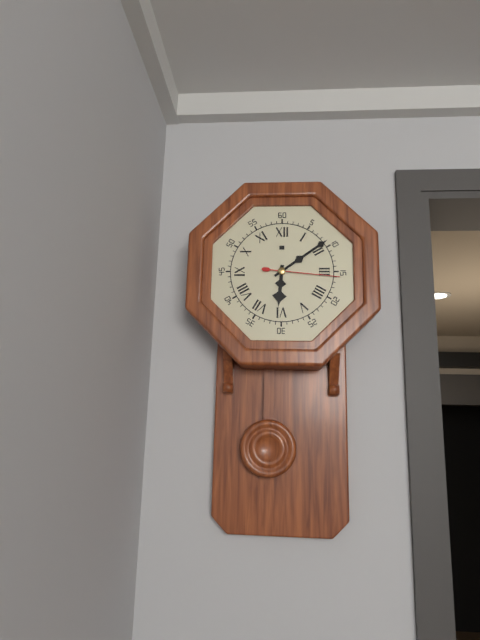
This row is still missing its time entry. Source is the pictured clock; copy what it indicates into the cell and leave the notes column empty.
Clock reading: 6:09:16
